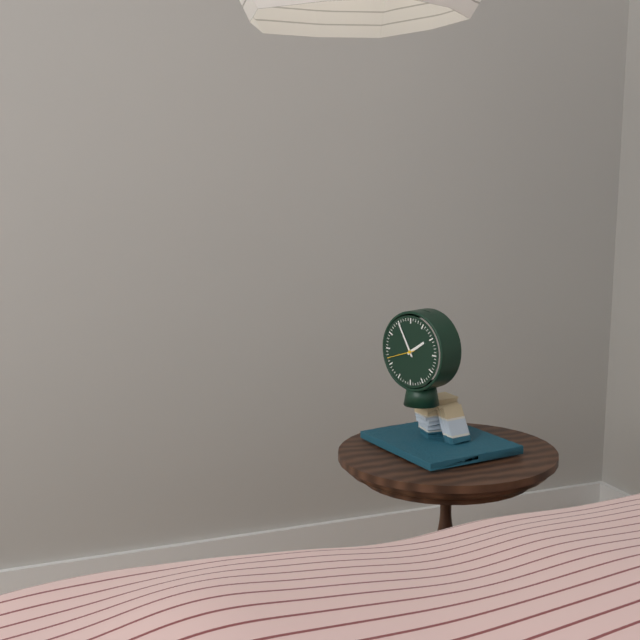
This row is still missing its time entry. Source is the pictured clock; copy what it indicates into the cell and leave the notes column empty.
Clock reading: 1:55
